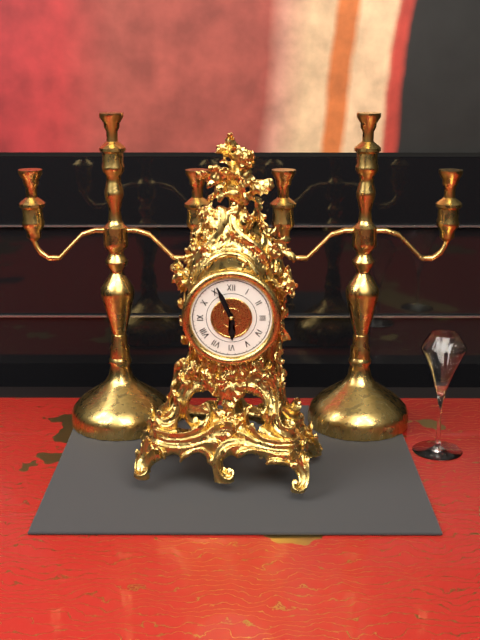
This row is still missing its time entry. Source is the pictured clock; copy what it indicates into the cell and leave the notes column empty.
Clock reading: 5:56
